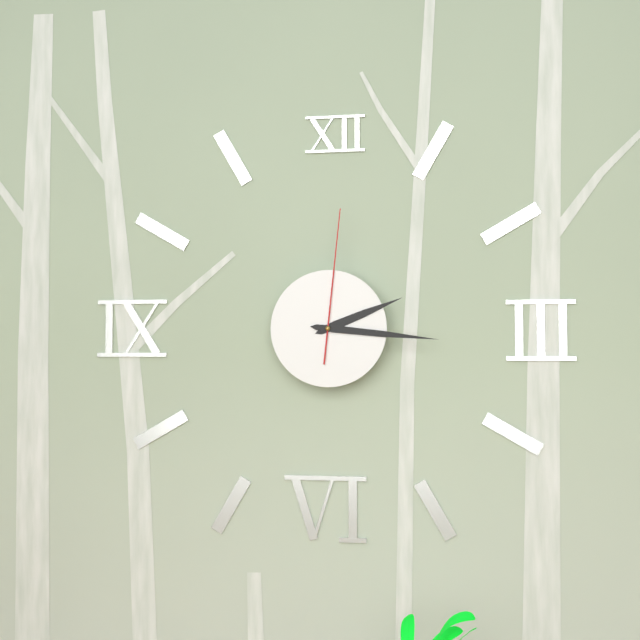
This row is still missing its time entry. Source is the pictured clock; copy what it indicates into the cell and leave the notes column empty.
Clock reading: 2:16:01
